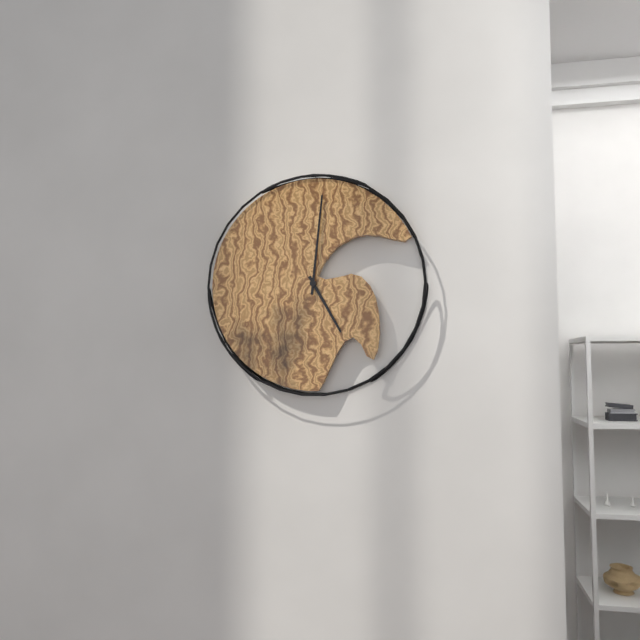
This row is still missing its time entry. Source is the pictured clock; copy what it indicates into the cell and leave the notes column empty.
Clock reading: 5:01
